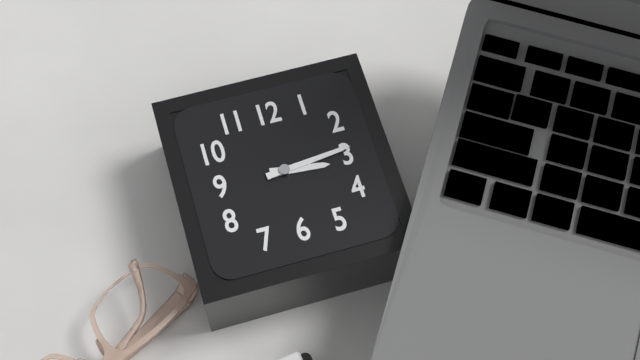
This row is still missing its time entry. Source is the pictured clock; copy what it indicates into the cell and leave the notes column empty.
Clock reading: 3:14
